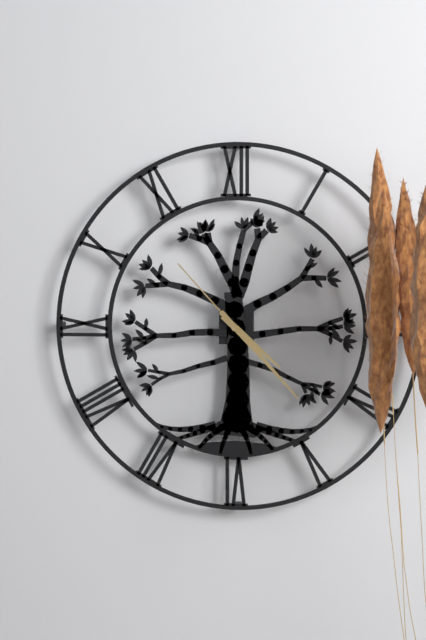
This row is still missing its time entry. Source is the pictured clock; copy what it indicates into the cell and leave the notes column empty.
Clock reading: 4:23:53
